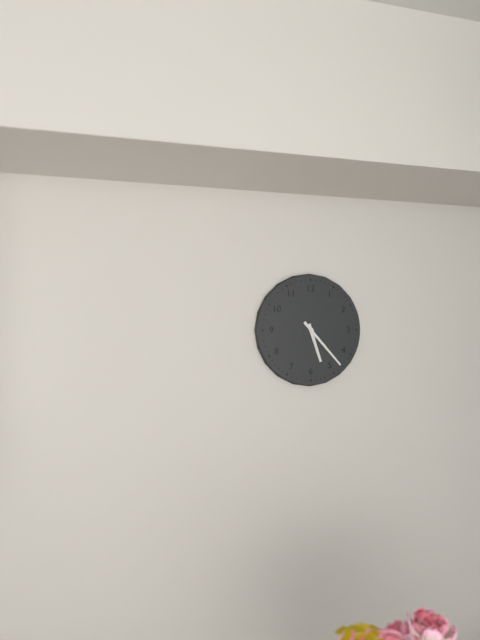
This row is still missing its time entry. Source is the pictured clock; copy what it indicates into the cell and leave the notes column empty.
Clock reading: 5:23
